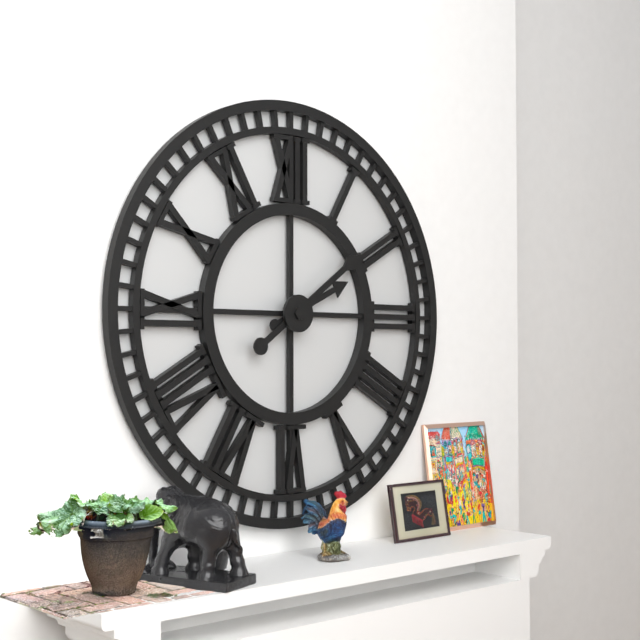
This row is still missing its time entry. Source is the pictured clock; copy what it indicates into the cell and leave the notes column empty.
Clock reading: 2:09
